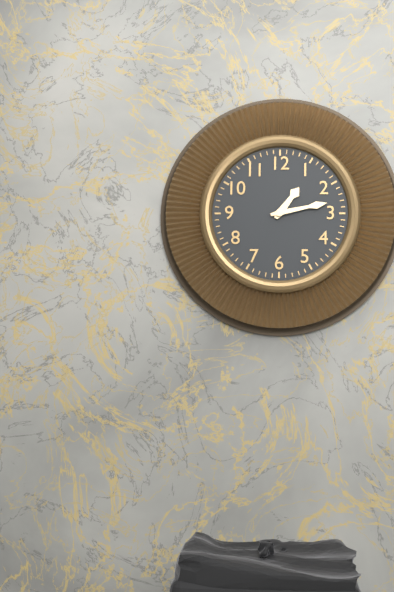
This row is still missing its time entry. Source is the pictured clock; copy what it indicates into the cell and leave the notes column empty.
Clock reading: 1:13
